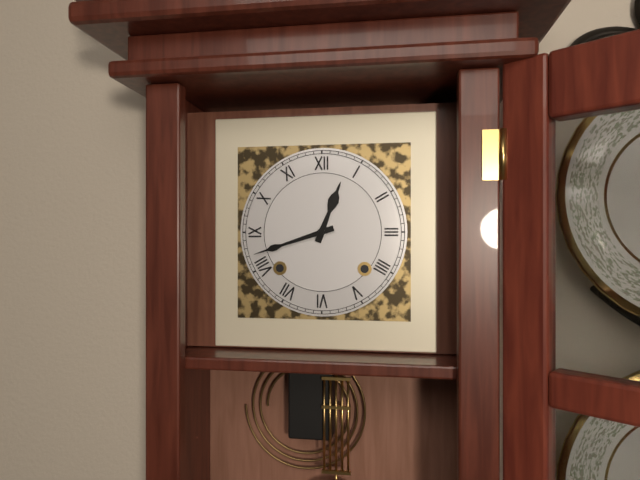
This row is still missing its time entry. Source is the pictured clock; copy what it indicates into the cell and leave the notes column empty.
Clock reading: 12:42
